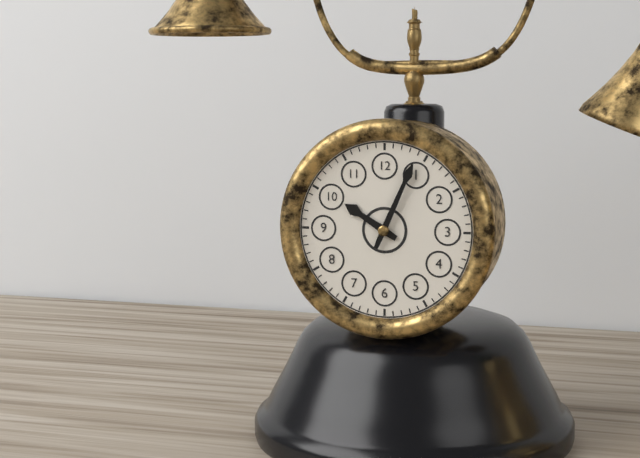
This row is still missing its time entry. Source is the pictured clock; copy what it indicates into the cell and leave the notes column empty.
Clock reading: 10:04
